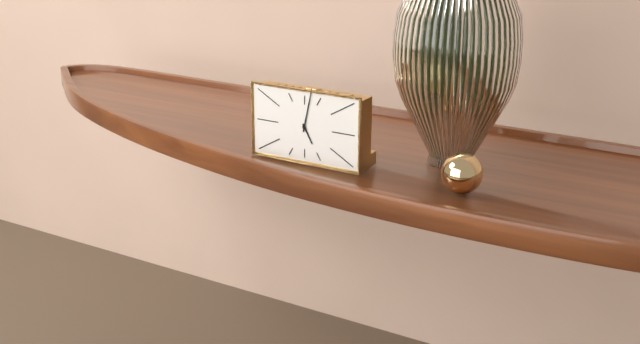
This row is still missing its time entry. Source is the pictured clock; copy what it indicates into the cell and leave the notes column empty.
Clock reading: 5:02
